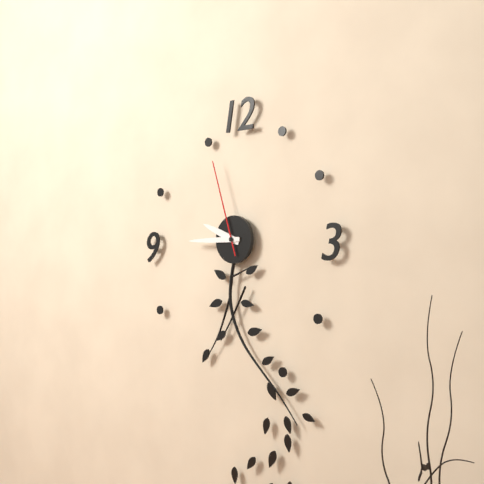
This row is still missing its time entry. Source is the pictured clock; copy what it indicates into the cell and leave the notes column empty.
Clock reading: 9:45:57
